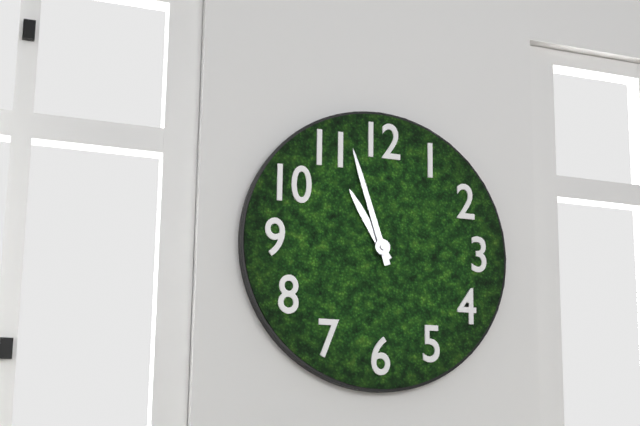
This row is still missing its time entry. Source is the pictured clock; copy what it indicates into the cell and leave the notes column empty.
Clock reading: 10:57
